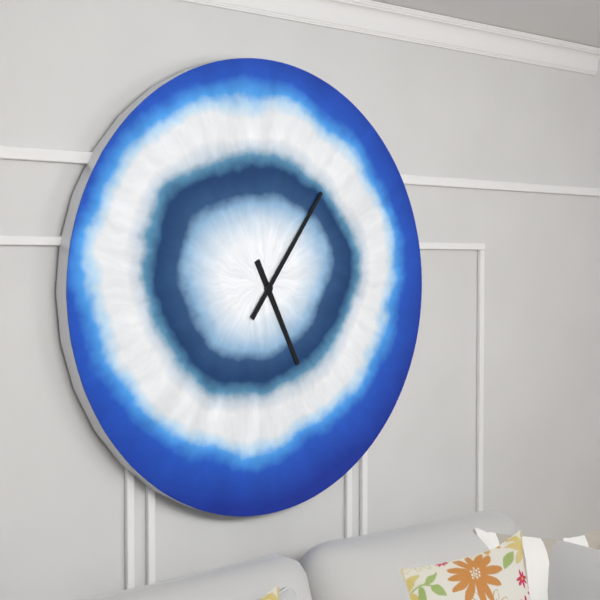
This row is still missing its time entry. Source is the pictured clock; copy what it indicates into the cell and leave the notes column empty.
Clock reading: 5:06
